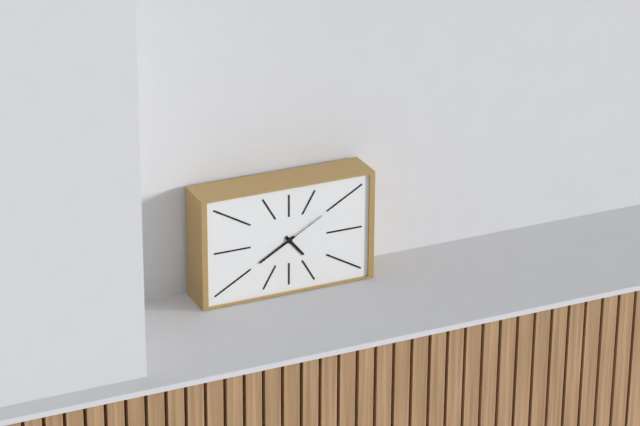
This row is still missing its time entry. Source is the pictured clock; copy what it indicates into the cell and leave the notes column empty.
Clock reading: 4:40:10
